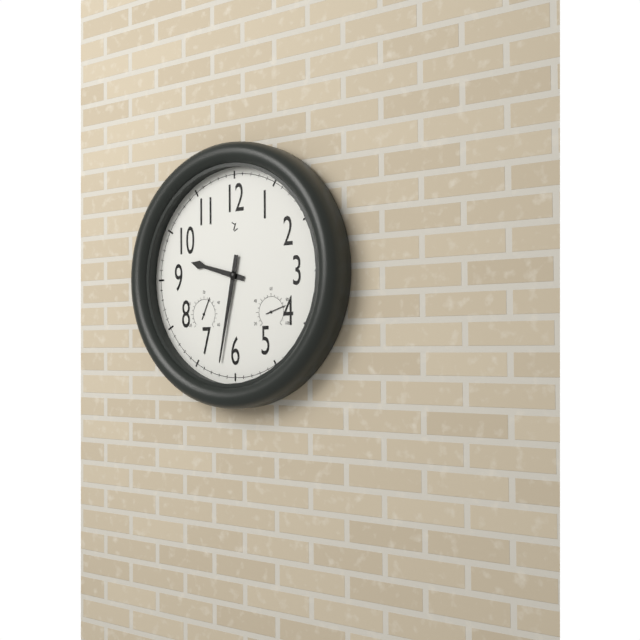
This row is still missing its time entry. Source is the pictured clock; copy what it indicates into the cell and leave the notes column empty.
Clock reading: 9:32
